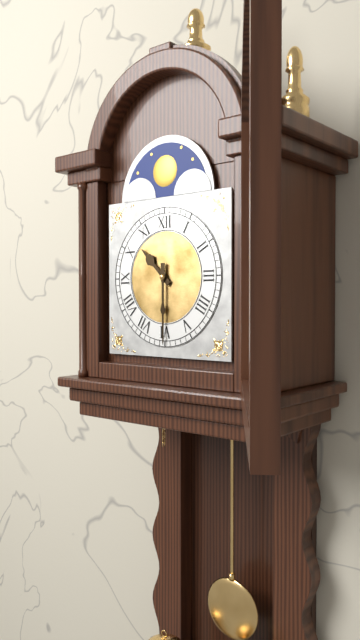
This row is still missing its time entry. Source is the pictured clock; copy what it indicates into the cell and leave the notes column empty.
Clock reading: 10:30
